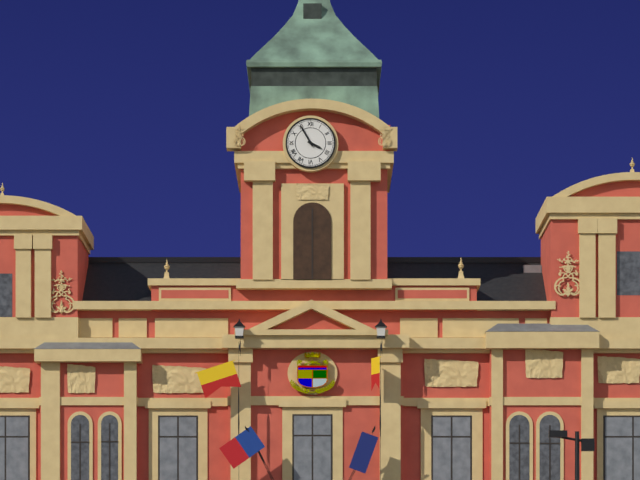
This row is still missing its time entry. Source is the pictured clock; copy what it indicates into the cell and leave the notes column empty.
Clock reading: 3:55
